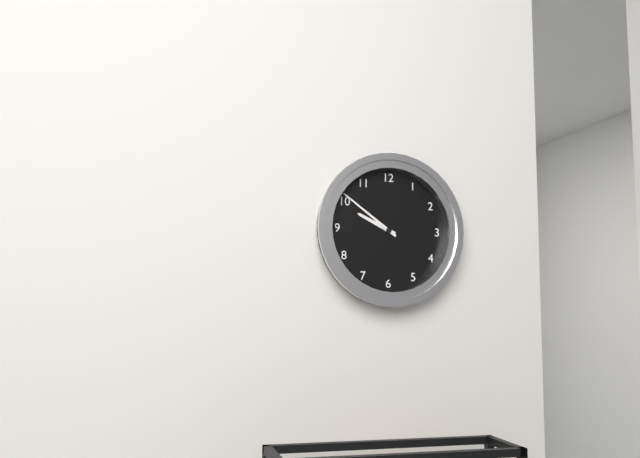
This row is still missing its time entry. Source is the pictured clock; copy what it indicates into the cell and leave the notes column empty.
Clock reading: 9:51
